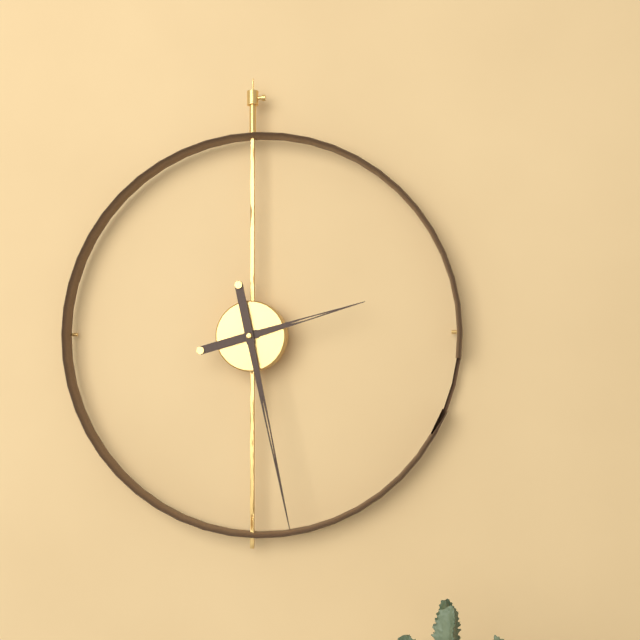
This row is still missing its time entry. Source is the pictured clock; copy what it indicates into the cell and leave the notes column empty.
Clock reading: 2:28
